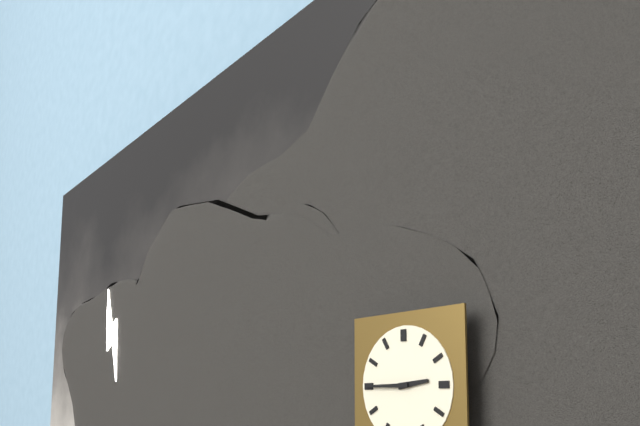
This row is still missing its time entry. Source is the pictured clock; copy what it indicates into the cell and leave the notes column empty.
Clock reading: 2:45
